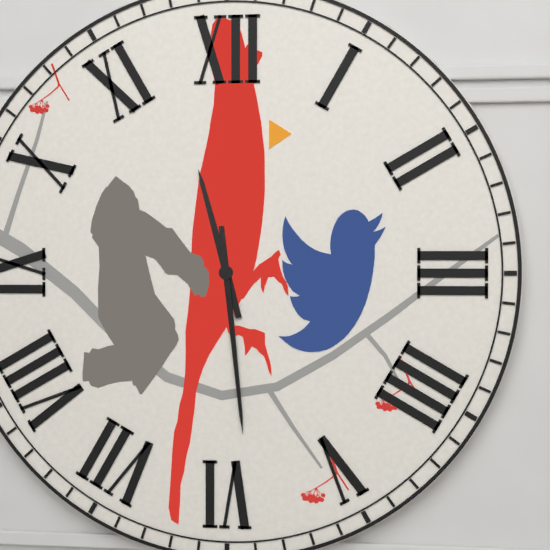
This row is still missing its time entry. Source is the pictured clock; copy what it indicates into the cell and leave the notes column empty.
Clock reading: 11:29
